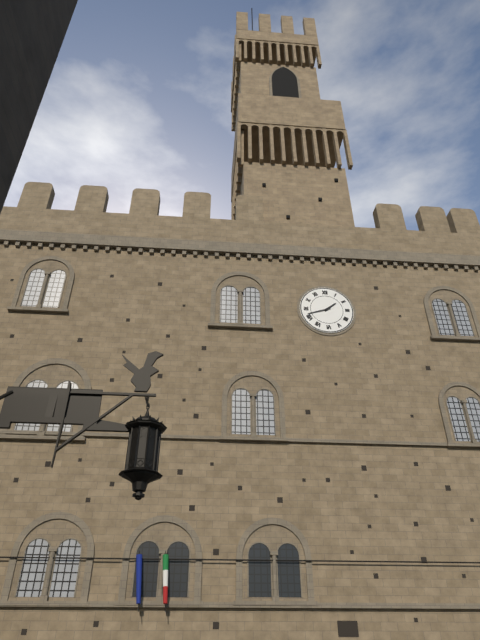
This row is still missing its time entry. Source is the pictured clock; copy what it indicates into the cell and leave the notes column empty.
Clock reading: 1:42
